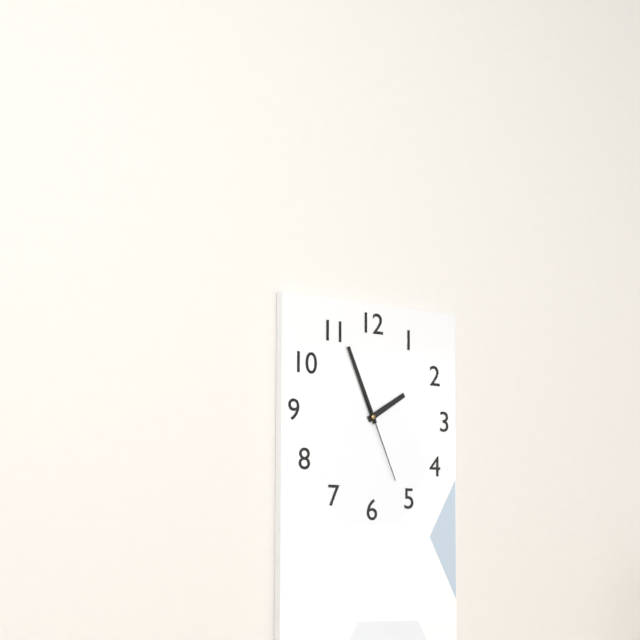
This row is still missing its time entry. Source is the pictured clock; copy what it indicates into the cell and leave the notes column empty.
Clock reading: 1:56:26
